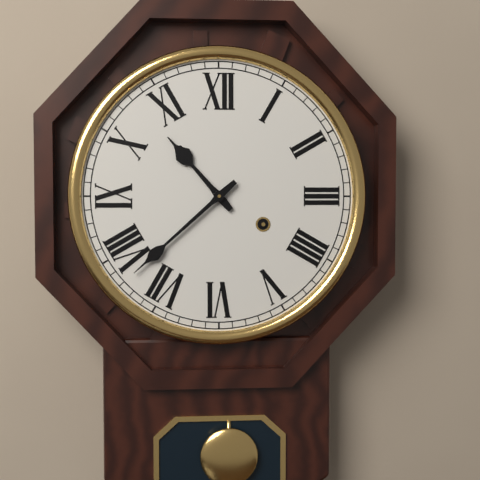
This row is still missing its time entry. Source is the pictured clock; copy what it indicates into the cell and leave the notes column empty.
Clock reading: 10:38
